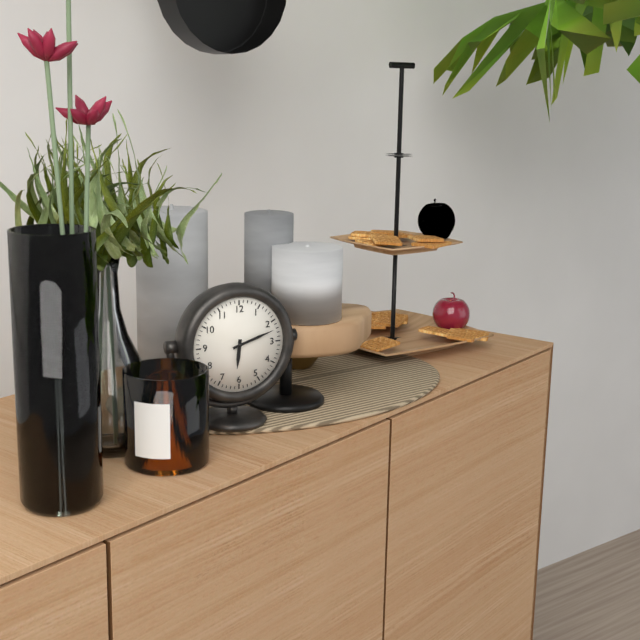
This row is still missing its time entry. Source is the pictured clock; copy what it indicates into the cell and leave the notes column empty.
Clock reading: 6:12
